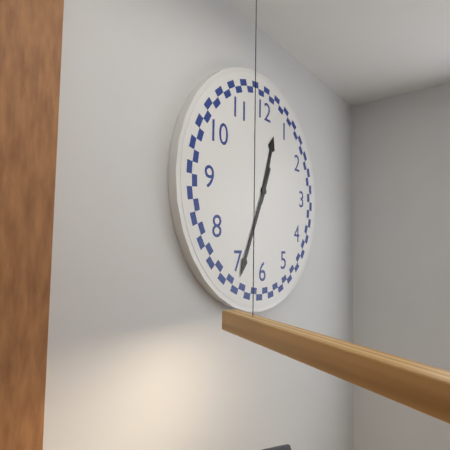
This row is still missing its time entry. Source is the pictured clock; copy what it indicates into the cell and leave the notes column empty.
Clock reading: 12:34
